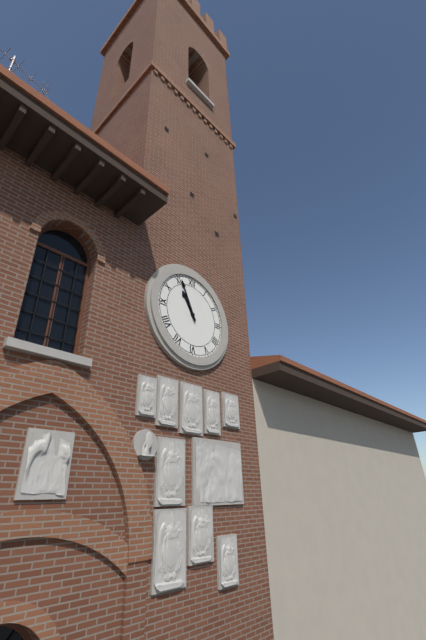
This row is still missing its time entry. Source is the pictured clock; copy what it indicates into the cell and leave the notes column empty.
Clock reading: 10:56
